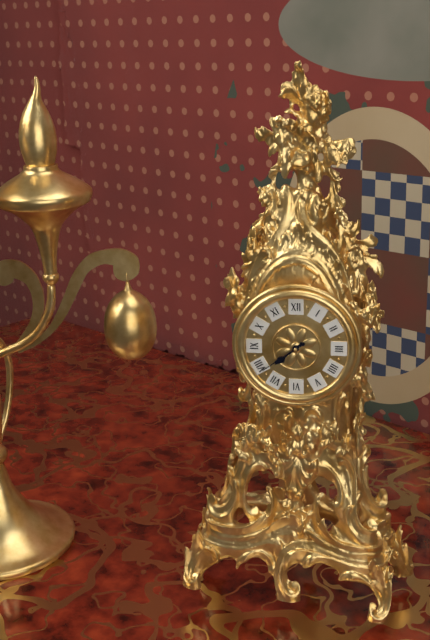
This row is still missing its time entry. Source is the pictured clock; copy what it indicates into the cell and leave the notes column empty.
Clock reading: 7:39
